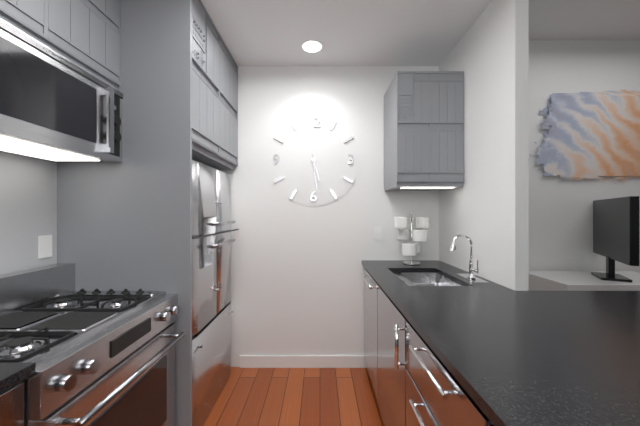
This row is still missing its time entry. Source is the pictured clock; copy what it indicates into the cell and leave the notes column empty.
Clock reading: 5:29
